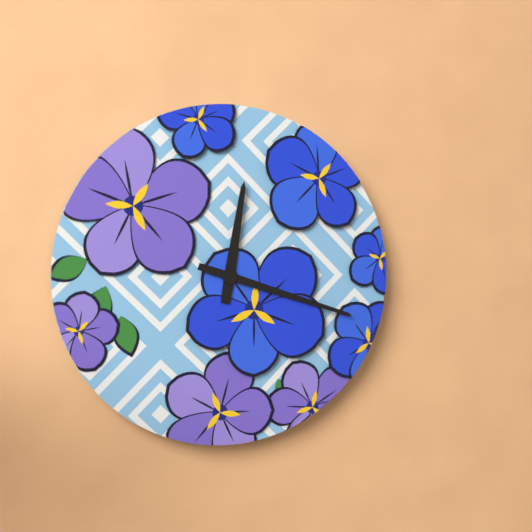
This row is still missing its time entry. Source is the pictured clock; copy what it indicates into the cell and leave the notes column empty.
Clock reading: 12:18
